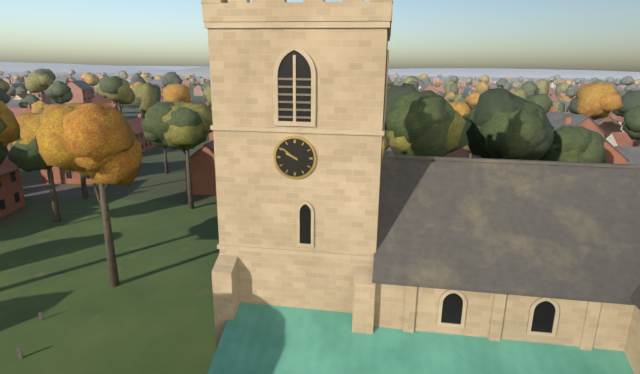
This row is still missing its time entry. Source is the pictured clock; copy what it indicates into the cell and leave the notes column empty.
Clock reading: 9:51
